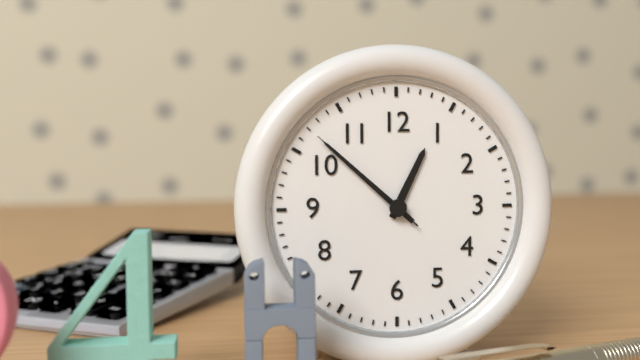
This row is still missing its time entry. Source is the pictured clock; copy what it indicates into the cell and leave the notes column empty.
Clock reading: 12:52:52
